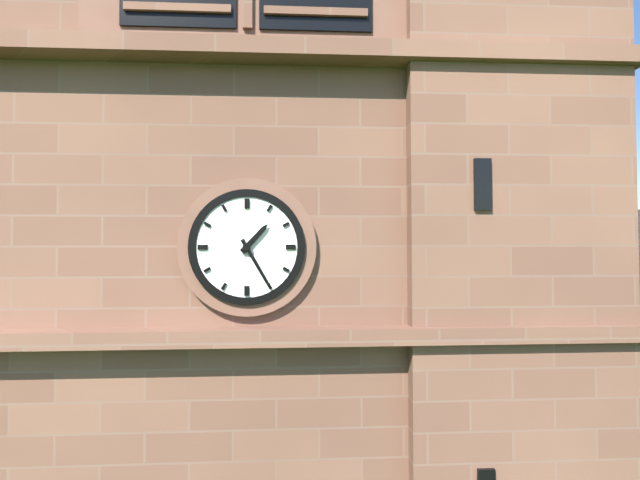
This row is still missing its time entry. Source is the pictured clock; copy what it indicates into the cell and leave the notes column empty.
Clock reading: 1:25
